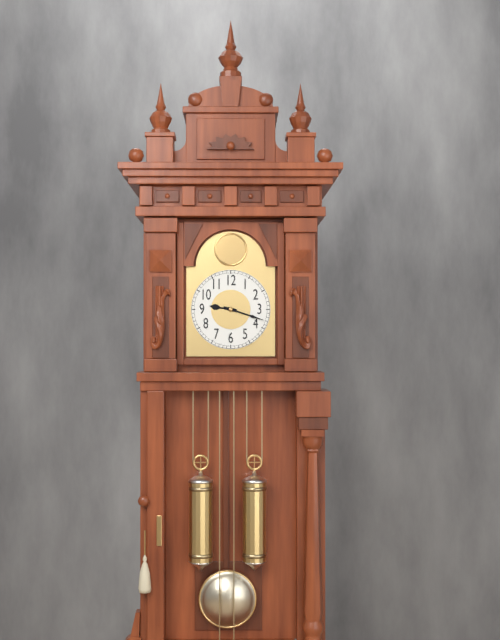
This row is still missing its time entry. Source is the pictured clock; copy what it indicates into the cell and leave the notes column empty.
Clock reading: 9:18
